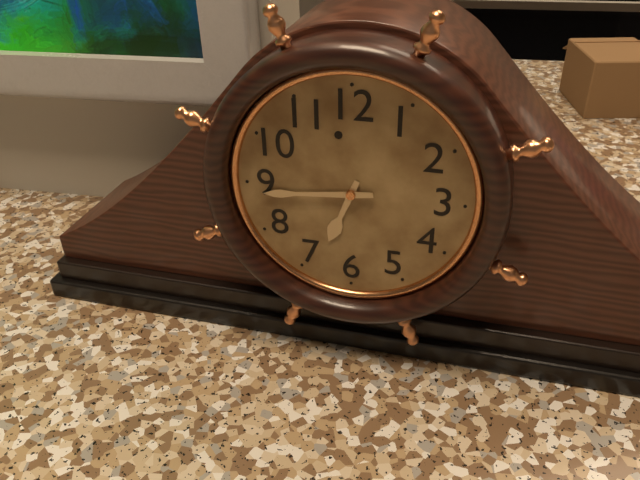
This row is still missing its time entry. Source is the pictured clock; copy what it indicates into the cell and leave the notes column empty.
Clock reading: 6:44
